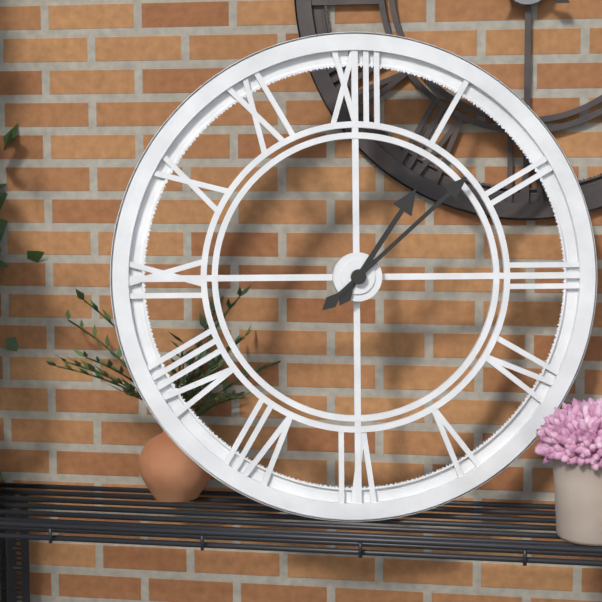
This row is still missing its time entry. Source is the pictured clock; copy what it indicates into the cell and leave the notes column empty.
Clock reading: 1:08
